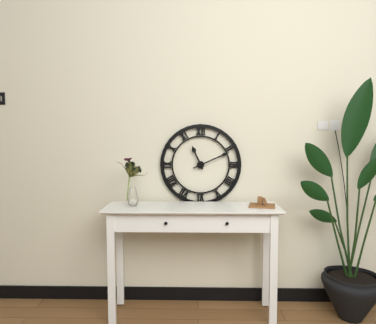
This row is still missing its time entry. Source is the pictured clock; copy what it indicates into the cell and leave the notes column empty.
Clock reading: 11:11
